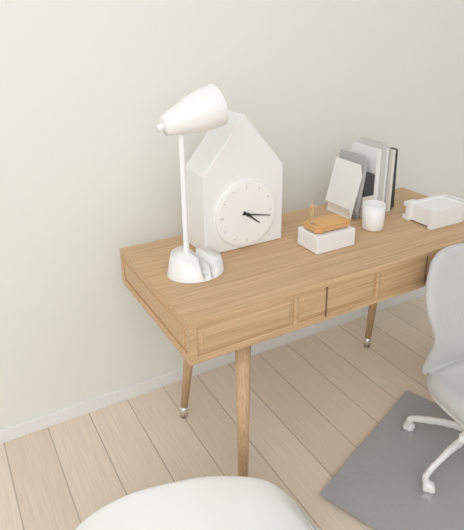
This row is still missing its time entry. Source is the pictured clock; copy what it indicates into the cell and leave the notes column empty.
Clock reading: 4:17
